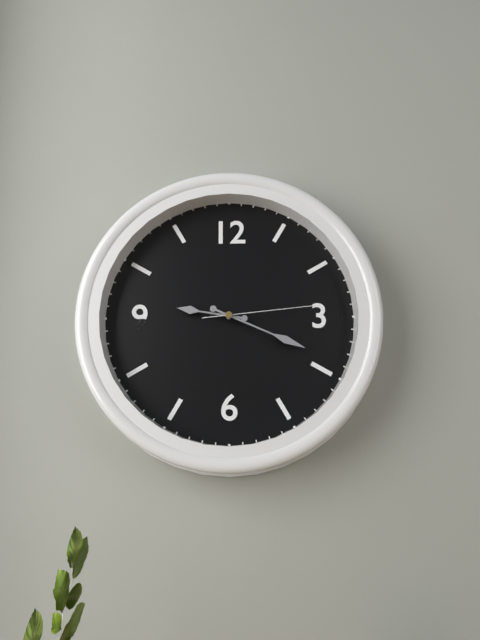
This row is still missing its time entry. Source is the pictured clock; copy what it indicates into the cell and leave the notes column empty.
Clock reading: 9:19:14
